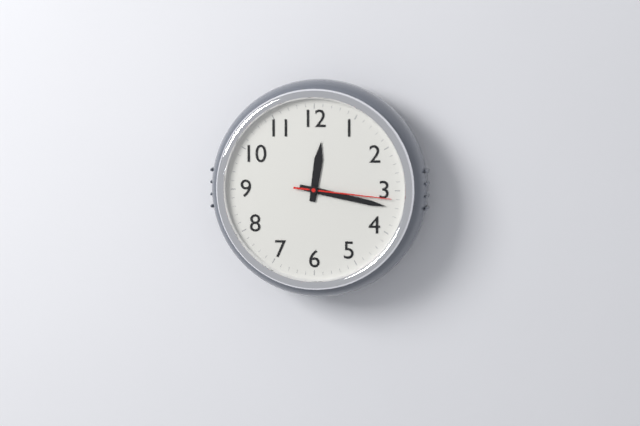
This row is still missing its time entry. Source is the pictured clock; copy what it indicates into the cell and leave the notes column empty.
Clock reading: 12:17:16
